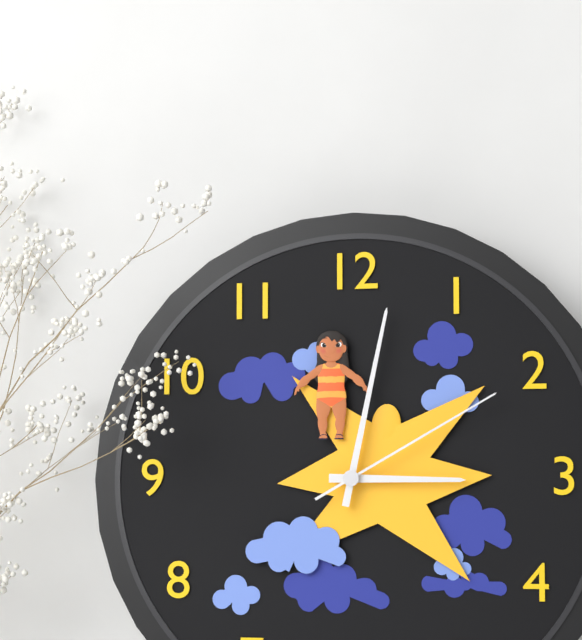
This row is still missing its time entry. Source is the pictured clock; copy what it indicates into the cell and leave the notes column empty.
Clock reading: 3:02:10
